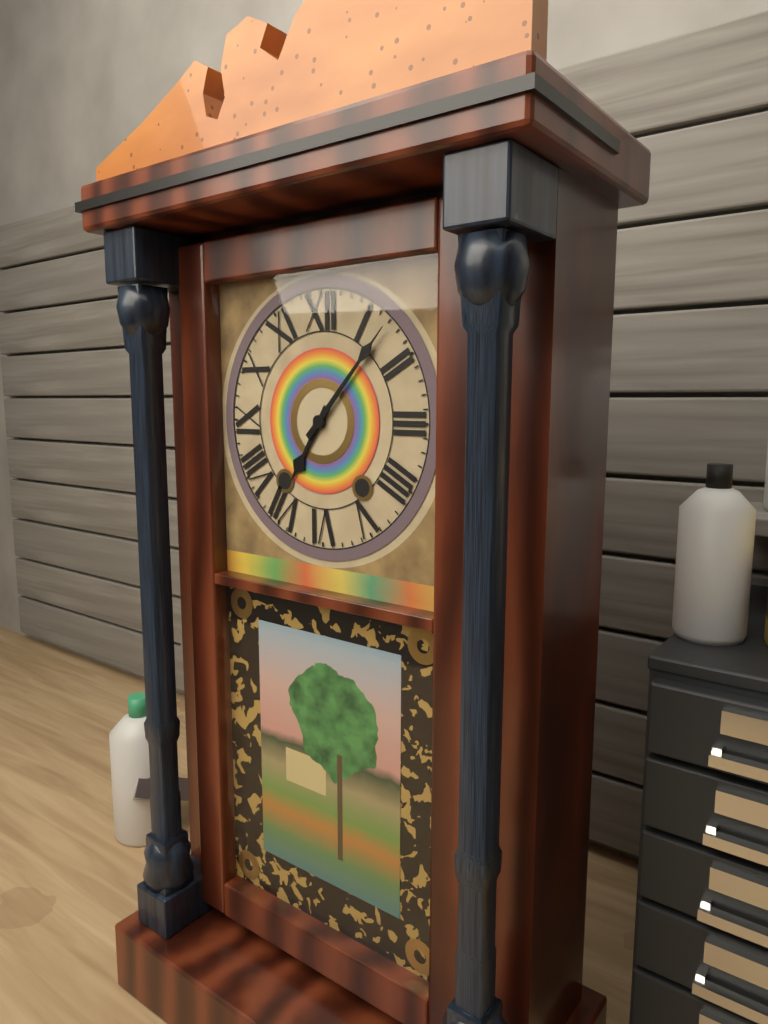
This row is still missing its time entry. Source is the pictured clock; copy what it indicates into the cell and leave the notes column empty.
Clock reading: 7:07
